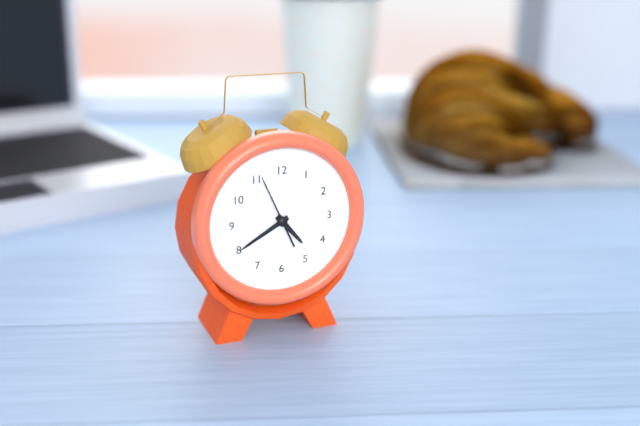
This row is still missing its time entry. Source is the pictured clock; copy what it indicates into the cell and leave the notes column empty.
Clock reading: 4:40:56
